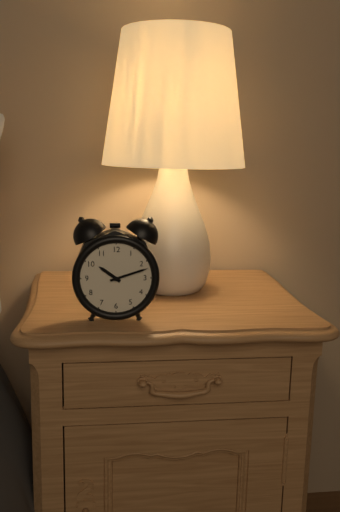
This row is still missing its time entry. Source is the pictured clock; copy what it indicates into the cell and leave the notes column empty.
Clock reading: 10:12
